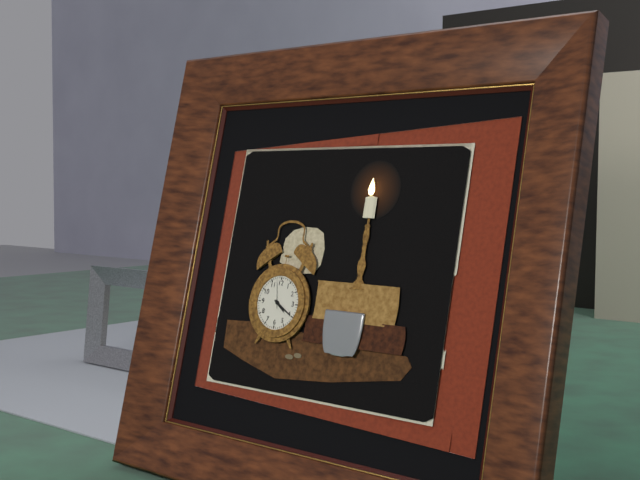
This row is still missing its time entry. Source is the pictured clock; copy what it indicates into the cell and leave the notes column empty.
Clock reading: 4:20
